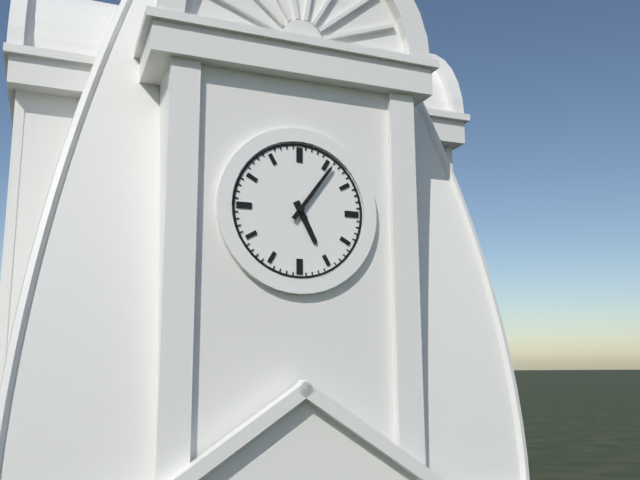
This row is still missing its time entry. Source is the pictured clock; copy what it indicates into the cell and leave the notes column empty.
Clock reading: 5:06
